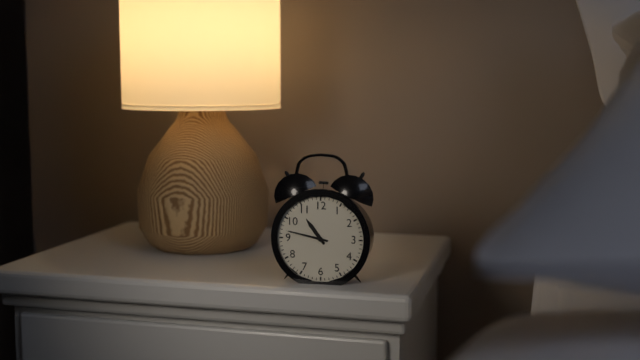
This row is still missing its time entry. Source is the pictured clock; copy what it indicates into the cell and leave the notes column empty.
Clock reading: 10:47
